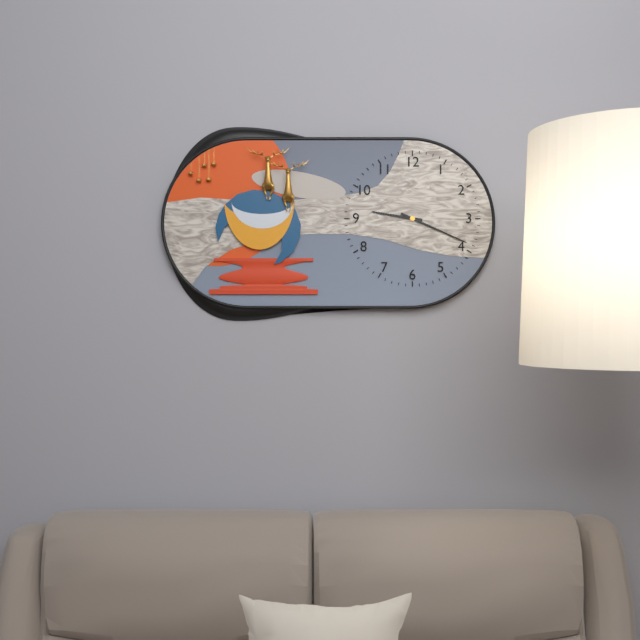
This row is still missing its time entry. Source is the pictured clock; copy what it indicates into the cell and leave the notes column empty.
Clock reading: 9:19
